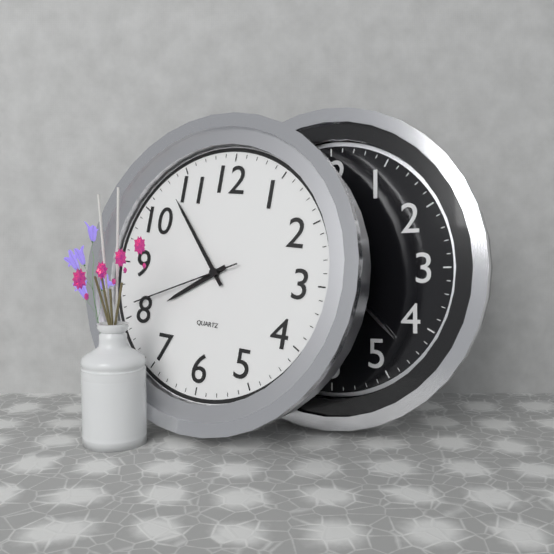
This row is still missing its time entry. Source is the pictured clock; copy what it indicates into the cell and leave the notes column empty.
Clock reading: 7:53:41
